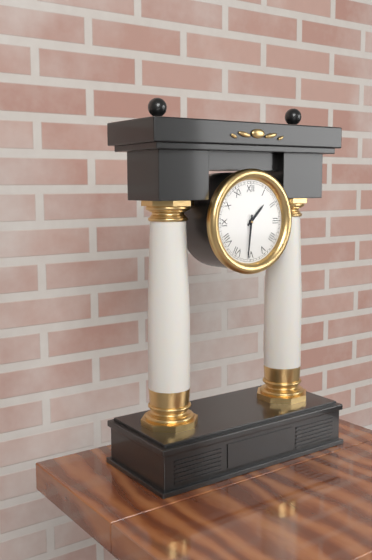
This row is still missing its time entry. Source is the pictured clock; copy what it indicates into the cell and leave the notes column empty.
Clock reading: 1:31
